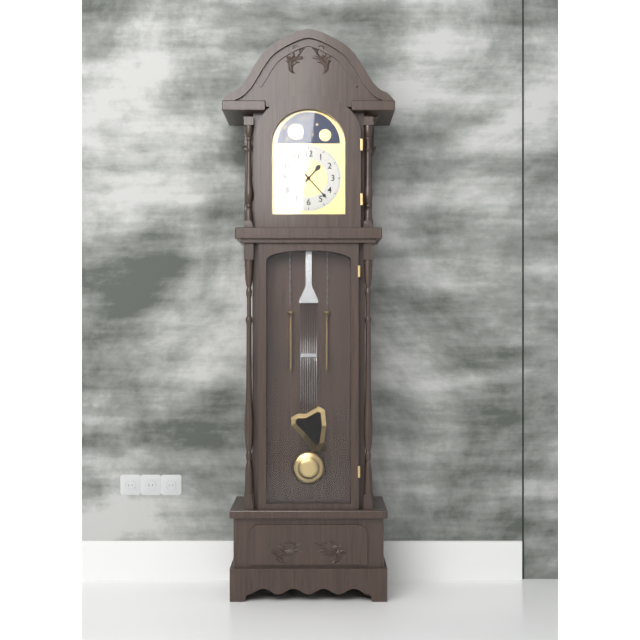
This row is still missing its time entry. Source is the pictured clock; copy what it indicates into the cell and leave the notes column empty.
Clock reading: 1:23
